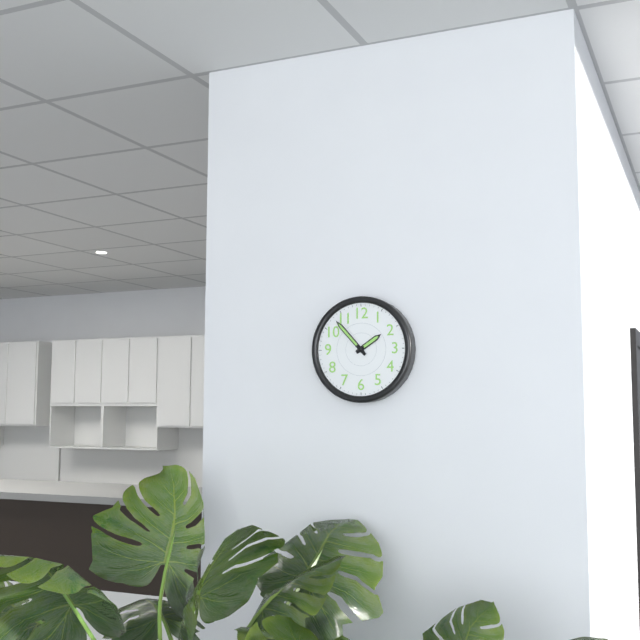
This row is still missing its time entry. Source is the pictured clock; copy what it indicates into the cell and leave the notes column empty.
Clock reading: 1:53
